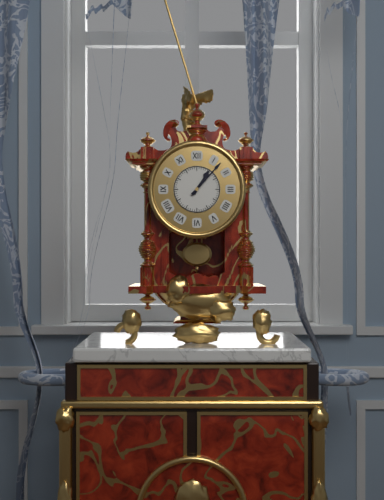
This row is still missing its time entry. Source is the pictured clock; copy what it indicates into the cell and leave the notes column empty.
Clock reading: 1:07
